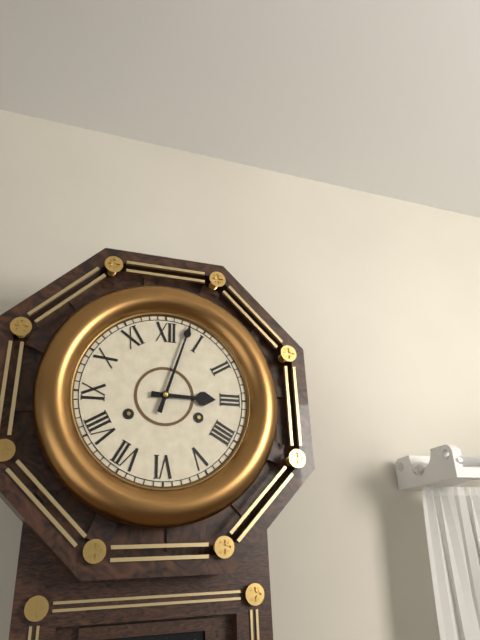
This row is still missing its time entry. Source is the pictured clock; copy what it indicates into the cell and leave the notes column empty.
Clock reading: 3:03
